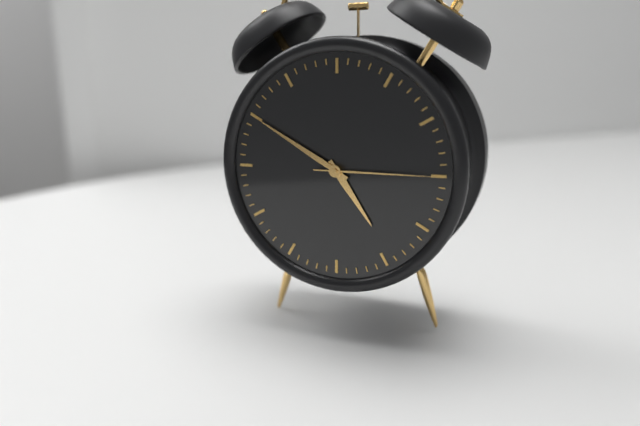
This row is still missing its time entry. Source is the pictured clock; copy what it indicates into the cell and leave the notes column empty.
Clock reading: 4:50:15
